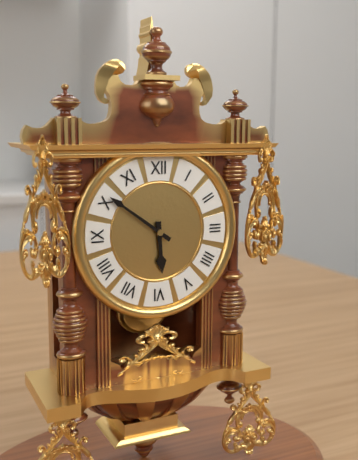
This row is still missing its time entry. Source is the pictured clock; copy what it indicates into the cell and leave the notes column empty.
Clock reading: 5:51
